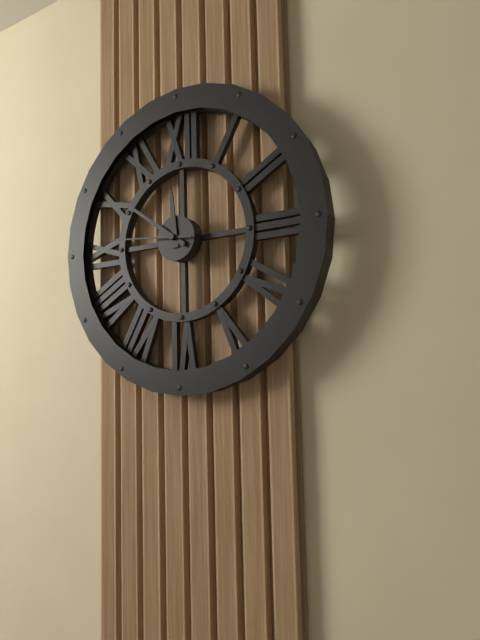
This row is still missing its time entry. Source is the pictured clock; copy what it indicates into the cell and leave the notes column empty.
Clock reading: 11:51:46
